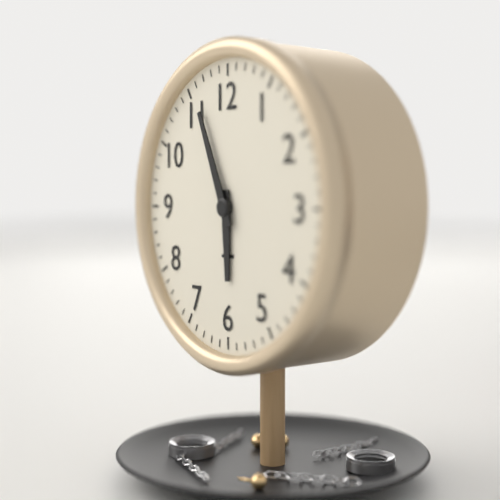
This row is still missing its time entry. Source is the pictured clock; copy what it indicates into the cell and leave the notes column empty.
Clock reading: 5:56
